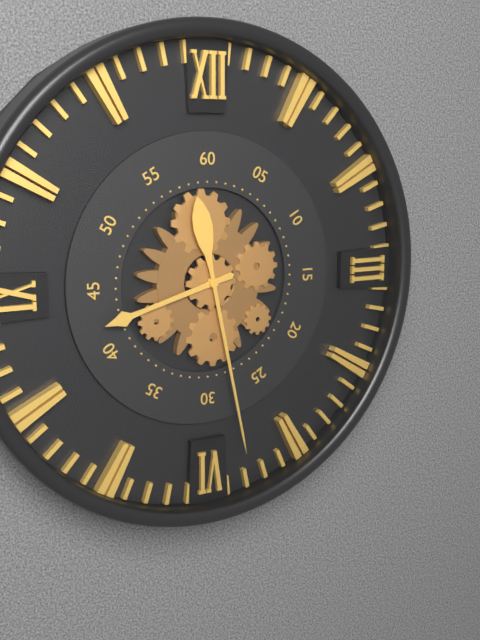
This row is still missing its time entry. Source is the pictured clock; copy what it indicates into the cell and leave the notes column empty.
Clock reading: 8:28
